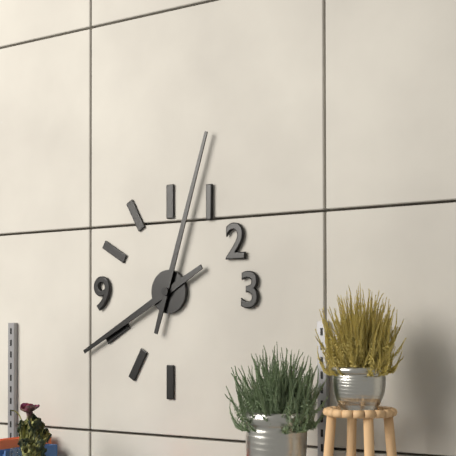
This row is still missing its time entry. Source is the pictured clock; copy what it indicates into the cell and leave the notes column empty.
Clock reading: 8:03
